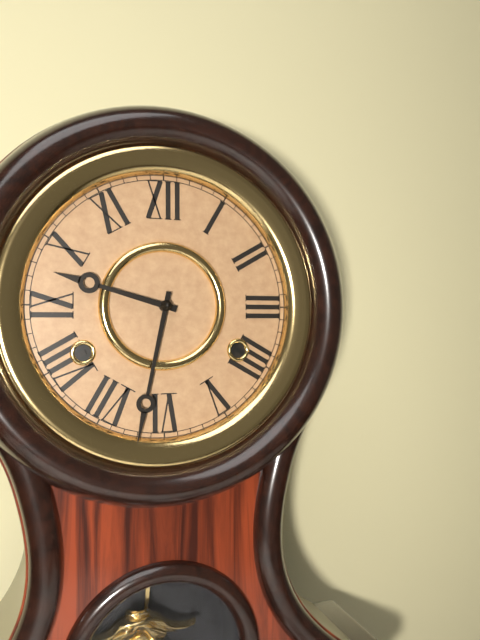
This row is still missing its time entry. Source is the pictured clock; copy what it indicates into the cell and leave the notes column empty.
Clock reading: 9:32
